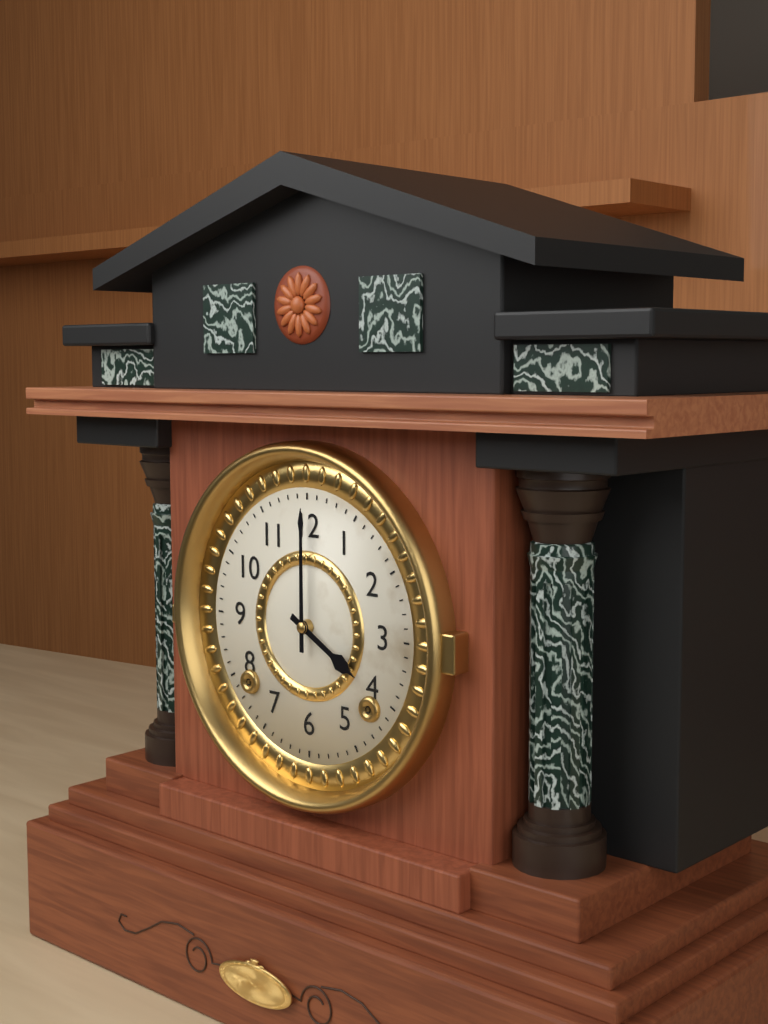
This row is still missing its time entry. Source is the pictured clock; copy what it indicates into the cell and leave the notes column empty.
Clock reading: 4:00
